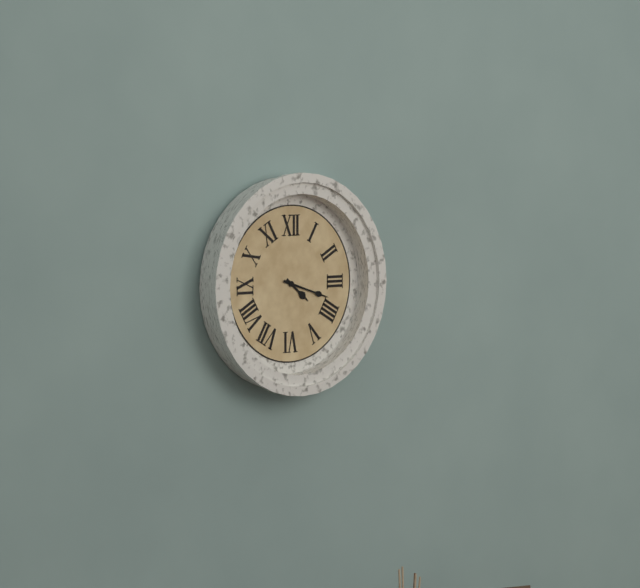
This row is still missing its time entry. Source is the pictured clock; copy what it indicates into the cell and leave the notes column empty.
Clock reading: 4:18
